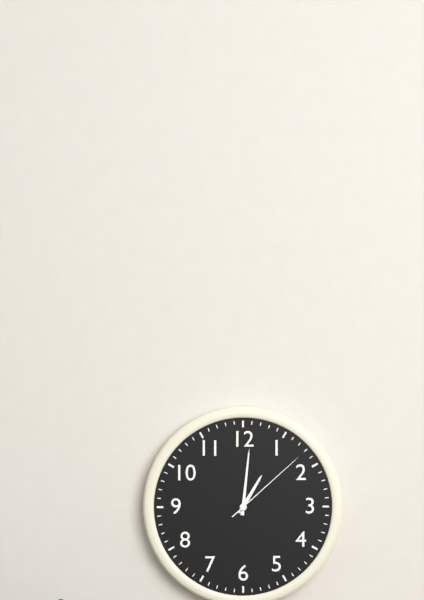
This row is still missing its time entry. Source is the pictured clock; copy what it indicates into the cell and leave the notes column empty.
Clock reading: 1:01:08
